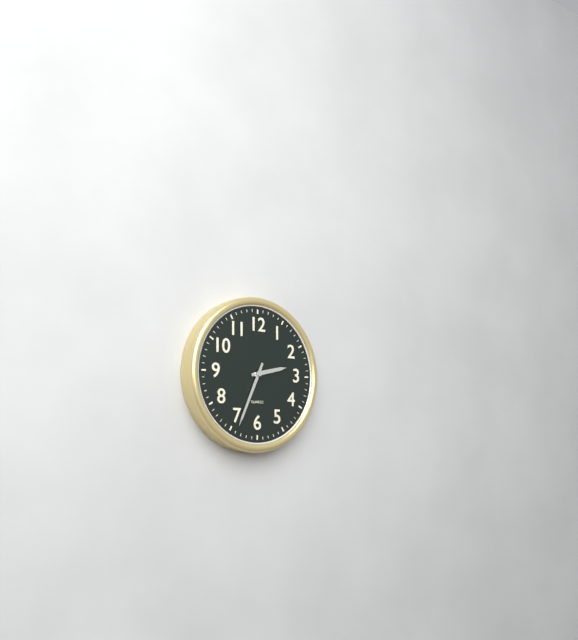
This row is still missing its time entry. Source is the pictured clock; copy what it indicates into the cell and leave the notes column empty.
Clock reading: 2:34
